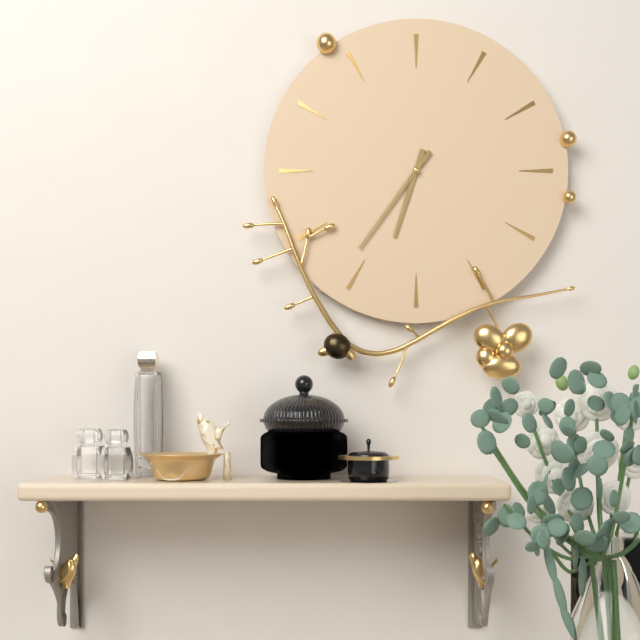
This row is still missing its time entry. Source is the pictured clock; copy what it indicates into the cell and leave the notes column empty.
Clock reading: 6:36
